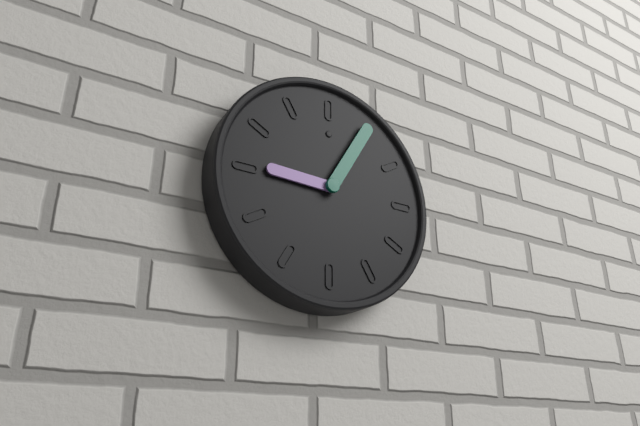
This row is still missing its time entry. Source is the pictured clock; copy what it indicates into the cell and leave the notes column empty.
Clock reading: 9:05
